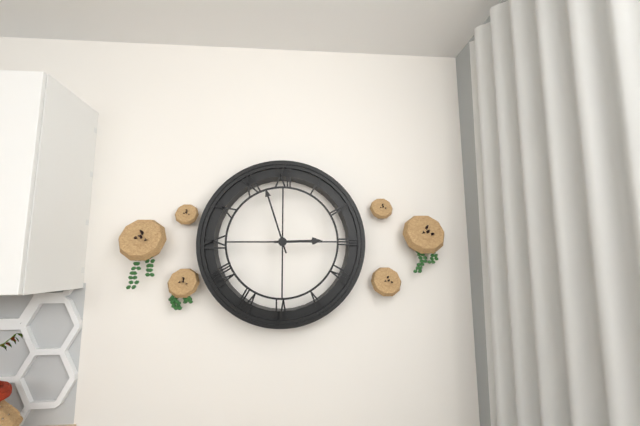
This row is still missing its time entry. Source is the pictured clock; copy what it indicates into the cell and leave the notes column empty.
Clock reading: 2:57
